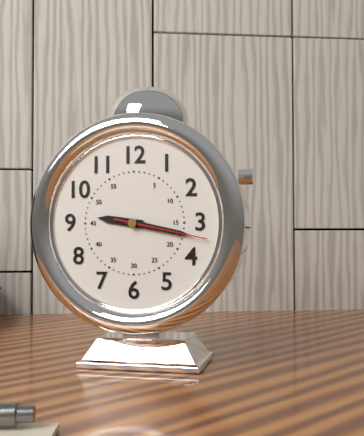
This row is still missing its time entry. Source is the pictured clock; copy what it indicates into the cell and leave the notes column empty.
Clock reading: 9:17:17
